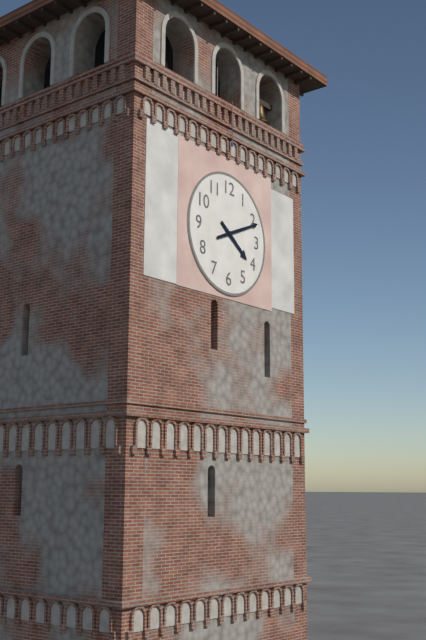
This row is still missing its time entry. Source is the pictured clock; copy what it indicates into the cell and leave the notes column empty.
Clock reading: 4:11
